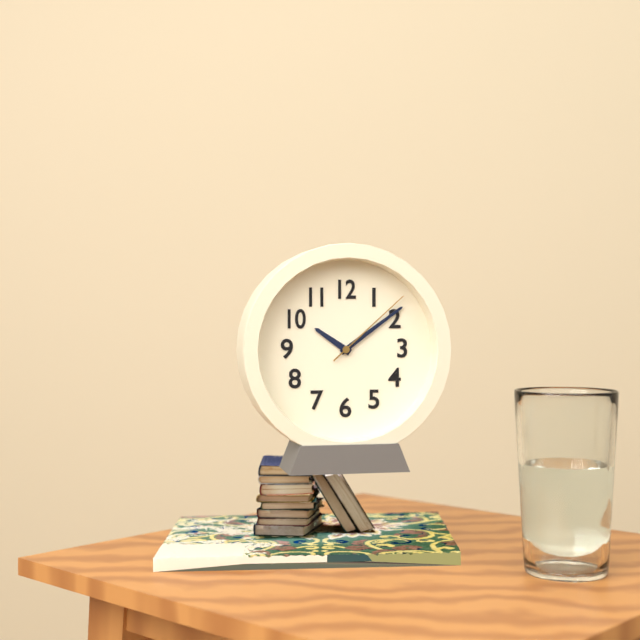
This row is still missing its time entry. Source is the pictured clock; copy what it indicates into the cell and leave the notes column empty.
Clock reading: 10:09:08
